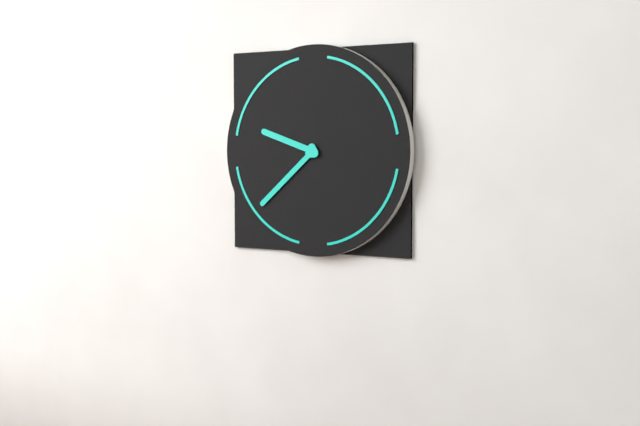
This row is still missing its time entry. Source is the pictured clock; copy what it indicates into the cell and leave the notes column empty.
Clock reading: 9:38
